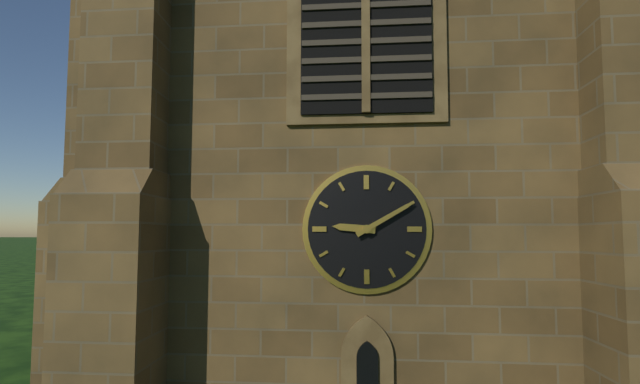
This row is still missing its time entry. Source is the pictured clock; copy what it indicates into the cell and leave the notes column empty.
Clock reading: 9:10
